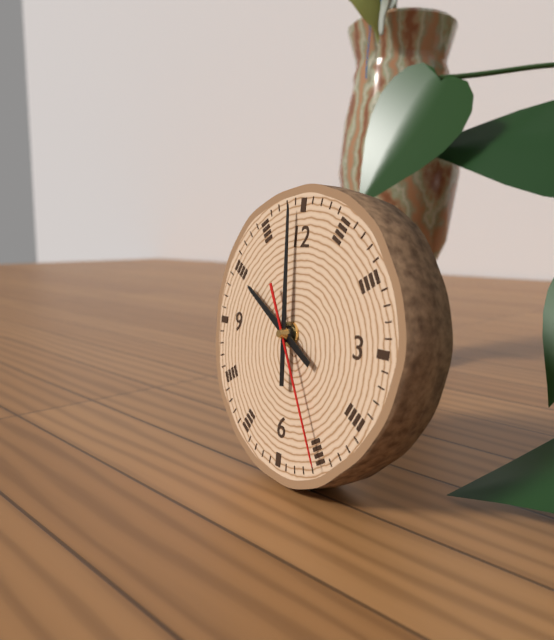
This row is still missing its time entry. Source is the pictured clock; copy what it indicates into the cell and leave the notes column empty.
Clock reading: 9:59:25
